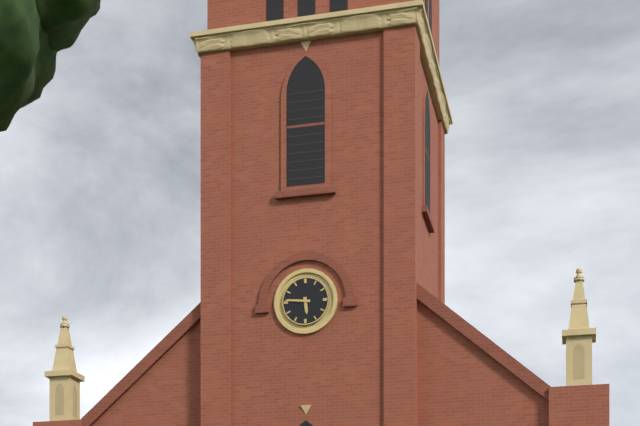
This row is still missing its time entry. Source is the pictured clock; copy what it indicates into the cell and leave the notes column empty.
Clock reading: 5:46
